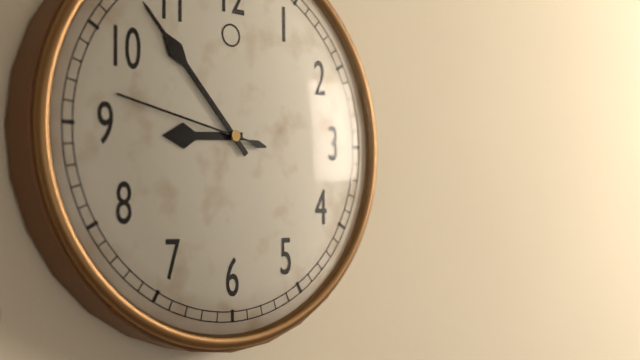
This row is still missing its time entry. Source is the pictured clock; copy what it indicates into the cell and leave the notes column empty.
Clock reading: 8:53:47
